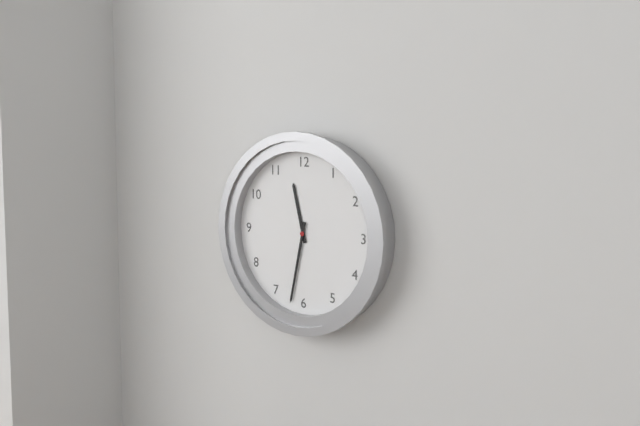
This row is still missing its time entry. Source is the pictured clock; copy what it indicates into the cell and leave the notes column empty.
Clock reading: 11:32
